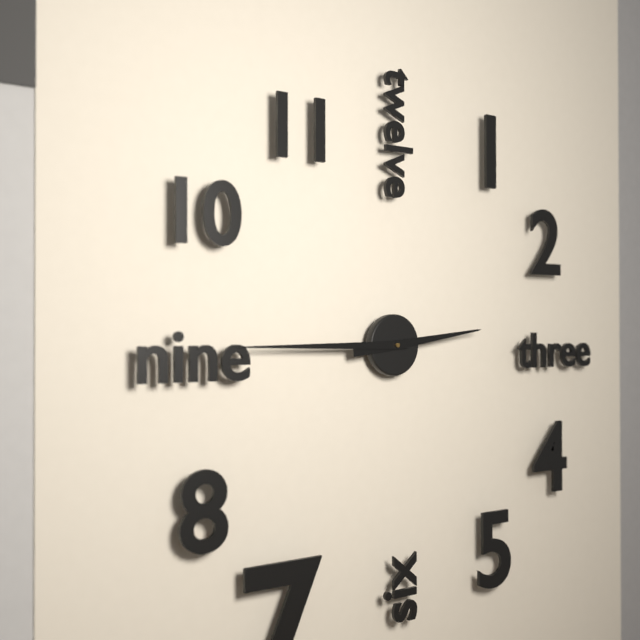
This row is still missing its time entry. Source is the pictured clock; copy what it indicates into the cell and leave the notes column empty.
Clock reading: 2:45
